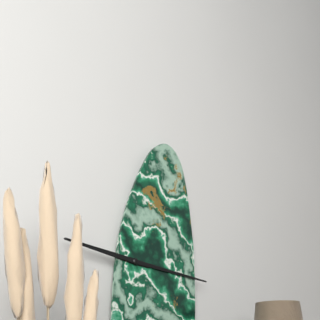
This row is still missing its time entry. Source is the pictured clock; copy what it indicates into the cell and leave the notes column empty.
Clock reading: 9:16
